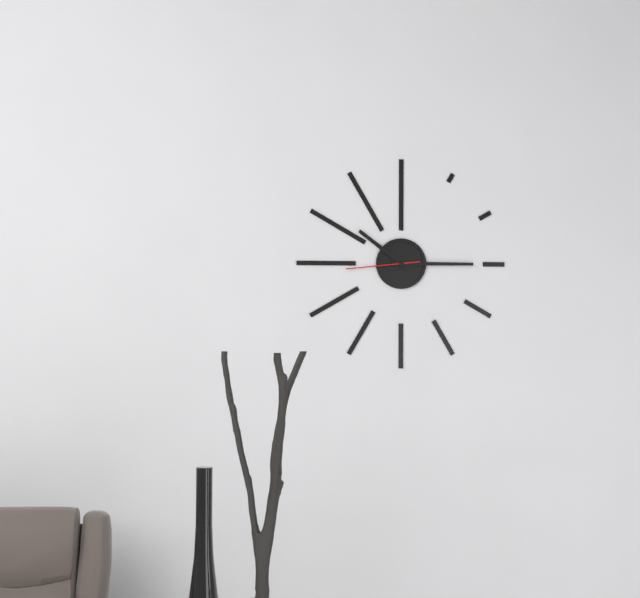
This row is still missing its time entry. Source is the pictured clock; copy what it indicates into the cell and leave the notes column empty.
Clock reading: 10:15:44
